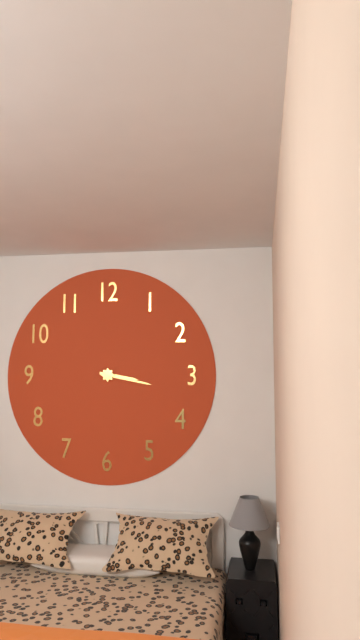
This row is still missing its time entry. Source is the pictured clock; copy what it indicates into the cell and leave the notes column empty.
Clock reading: 3:17
